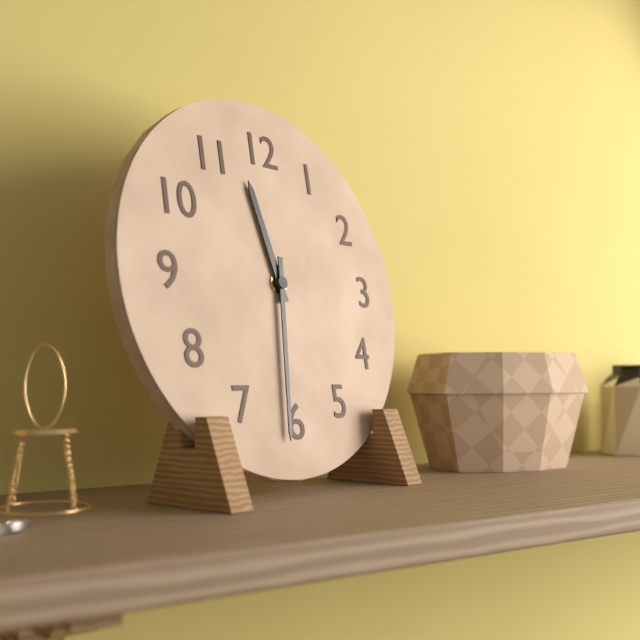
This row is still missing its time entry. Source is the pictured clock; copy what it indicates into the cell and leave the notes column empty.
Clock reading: 11:31
